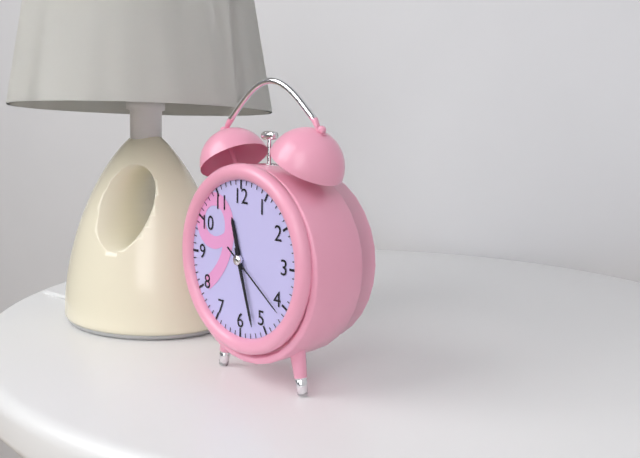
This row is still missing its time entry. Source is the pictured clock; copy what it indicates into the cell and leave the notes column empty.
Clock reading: 11:27:21
